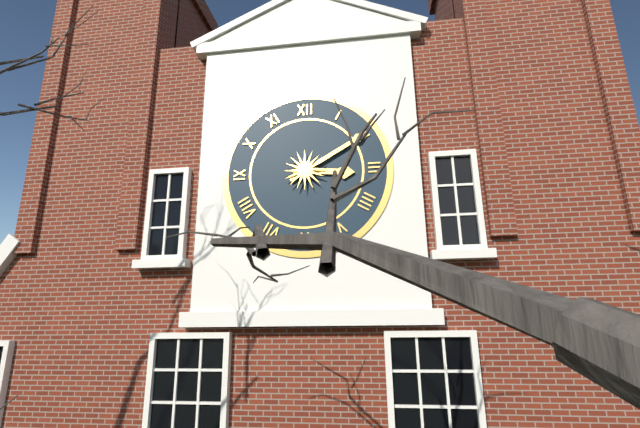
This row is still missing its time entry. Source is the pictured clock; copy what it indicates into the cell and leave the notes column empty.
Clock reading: 3:10
